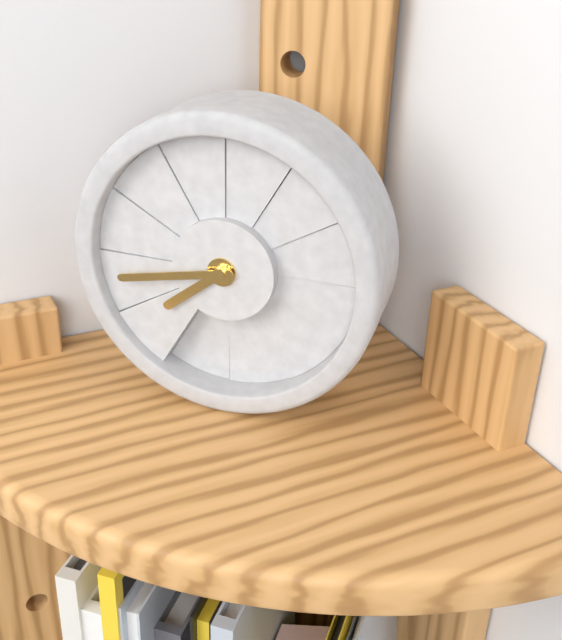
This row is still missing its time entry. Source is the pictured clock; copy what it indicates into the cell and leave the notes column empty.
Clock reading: 7:43
